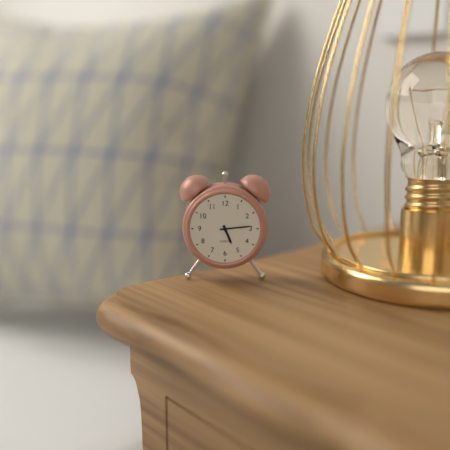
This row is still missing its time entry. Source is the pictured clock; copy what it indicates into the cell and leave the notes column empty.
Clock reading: 5:14
